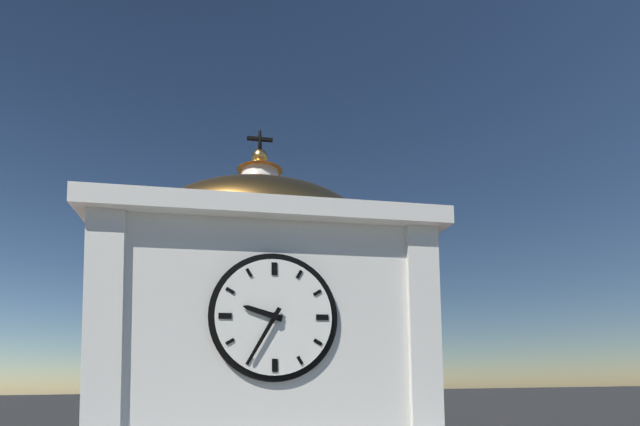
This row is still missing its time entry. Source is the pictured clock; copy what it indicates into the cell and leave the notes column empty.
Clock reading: 9:35
